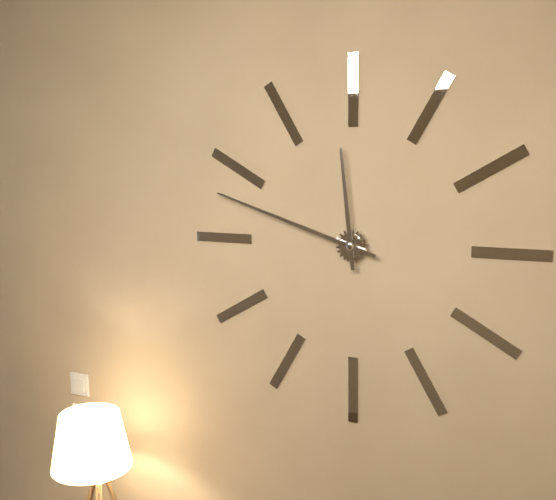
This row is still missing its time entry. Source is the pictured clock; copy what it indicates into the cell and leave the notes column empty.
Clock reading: 11:48
